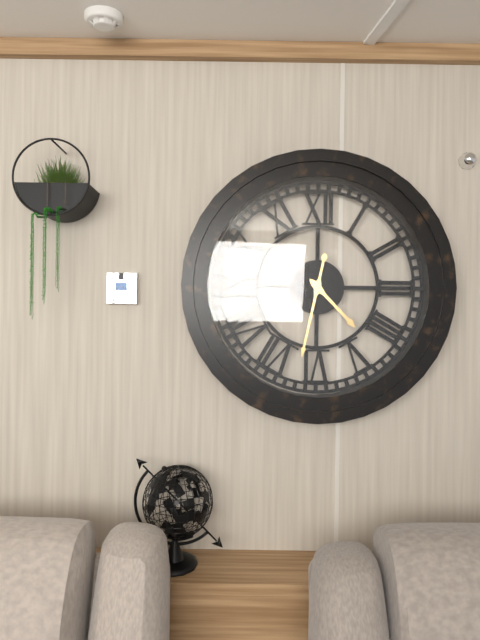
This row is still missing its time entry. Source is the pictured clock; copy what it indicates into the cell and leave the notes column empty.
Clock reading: 4:32
